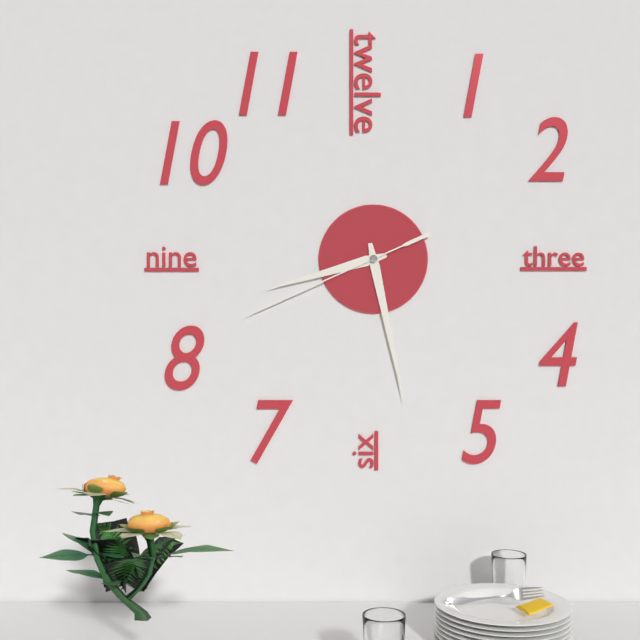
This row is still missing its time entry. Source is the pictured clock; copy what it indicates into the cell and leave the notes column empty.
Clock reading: 8:28:41
